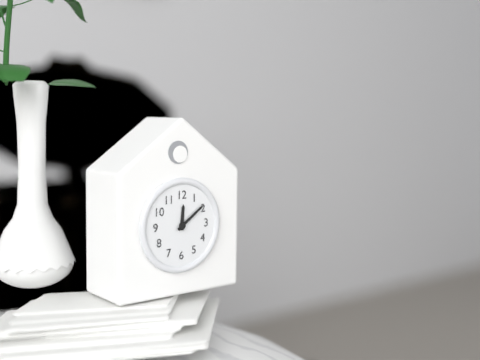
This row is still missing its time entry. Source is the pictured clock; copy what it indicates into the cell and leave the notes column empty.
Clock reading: 12:09
